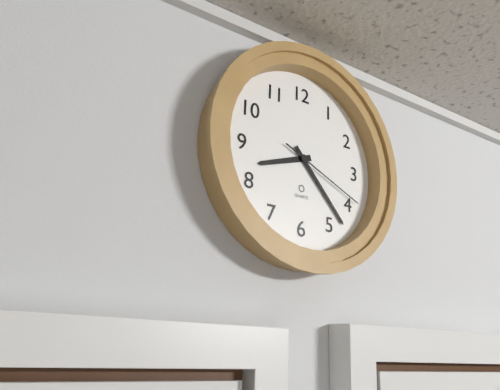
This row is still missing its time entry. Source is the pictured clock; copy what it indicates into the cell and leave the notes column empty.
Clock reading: 8:23:19
